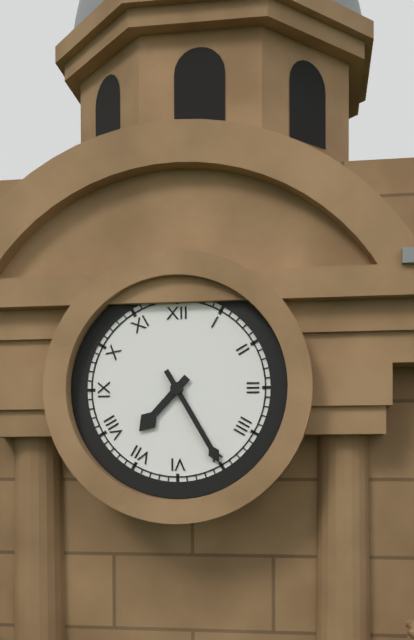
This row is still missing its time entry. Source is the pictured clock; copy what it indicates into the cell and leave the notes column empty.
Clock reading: 7:25
